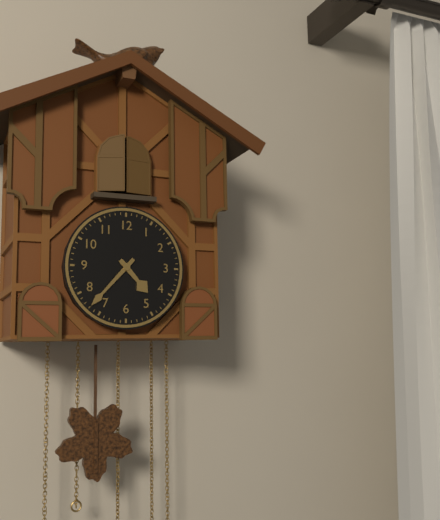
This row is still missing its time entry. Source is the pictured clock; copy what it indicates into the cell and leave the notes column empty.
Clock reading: 4:37
